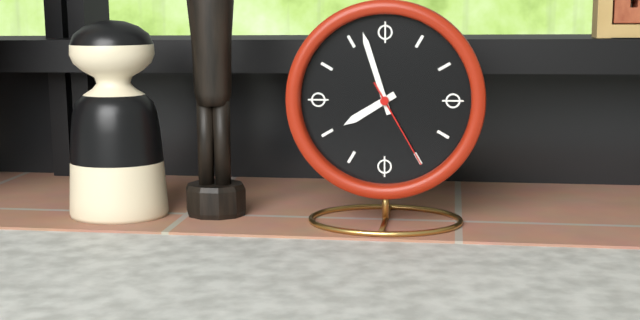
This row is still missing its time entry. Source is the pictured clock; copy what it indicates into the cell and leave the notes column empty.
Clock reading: 7:57:25
